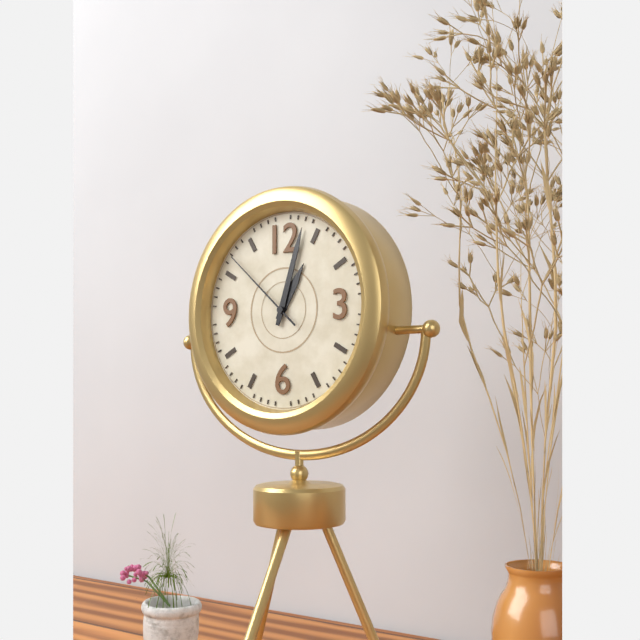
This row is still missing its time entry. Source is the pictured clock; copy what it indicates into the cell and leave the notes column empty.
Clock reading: 1:03:52
